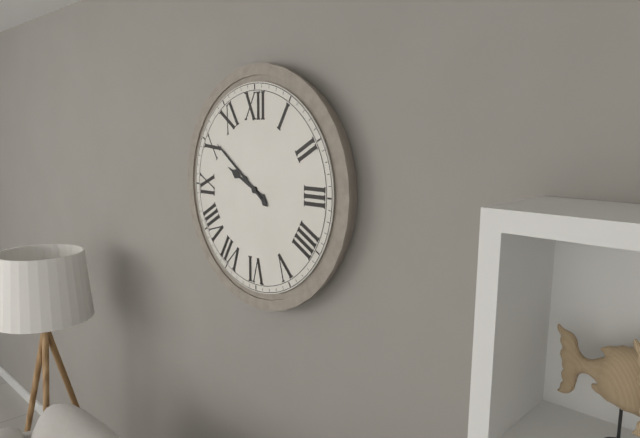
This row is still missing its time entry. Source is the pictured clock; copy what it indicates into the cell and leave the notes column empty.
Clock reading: 9:51
